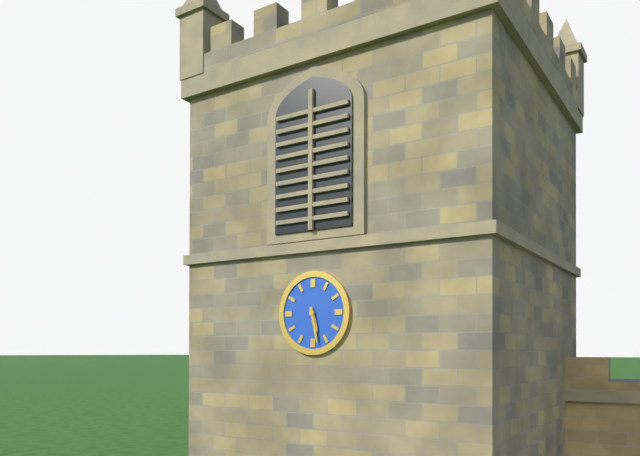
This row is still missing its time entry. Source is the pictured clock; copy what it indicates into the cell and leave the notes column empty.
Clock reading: 5:28
